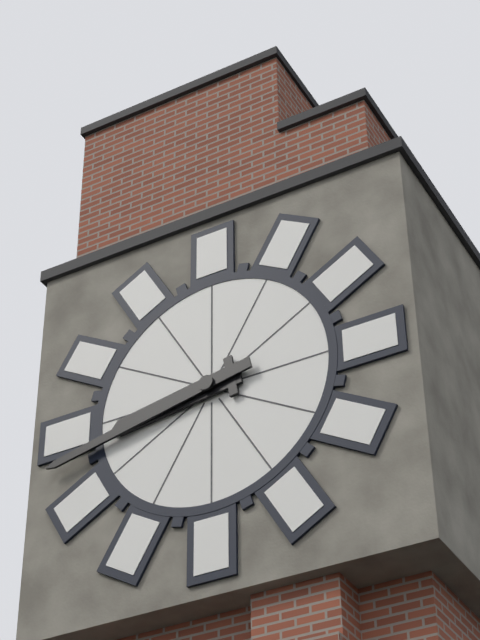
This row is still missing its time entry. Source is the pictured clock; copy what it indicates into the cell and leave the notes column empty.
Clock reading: 8:43
